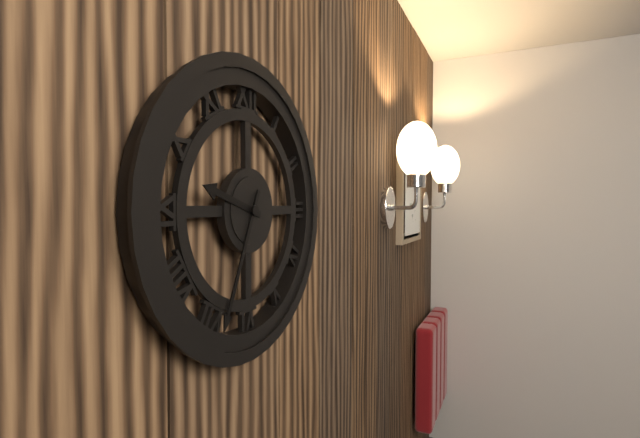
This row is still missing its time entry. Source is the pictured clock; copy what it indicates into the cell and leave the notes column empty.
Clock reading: 9:34
